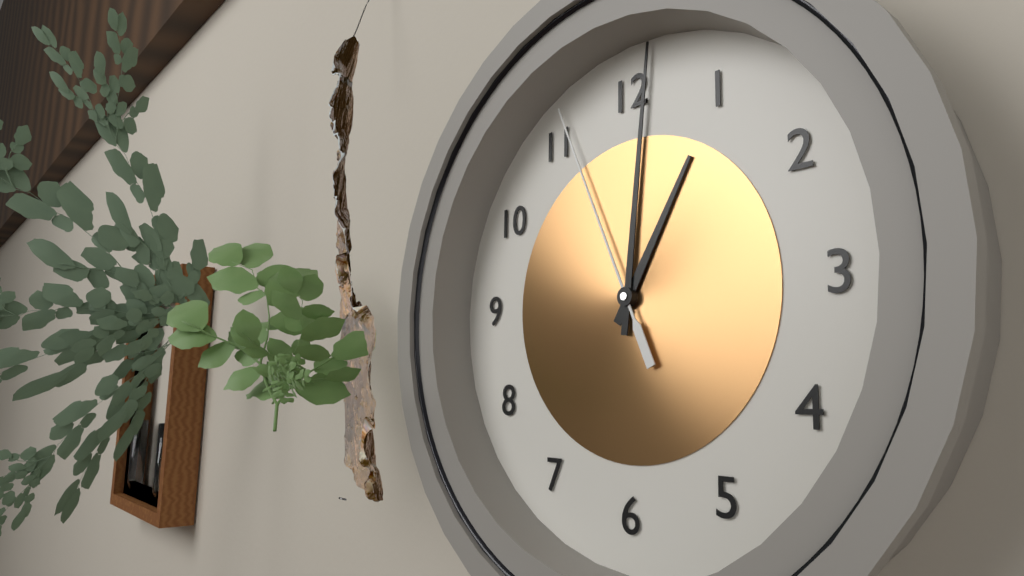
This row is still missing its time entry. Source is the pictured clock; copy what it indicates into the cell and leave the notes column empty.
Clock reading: 1:01:56
